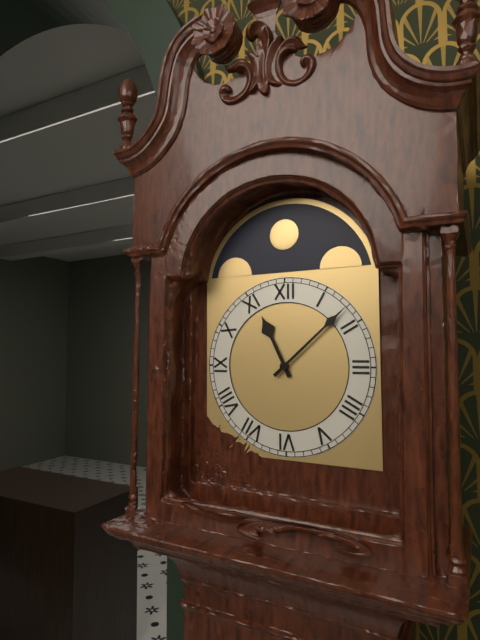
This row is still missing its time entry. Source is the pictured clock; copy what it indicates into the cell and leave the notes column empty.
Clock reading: 11:08
